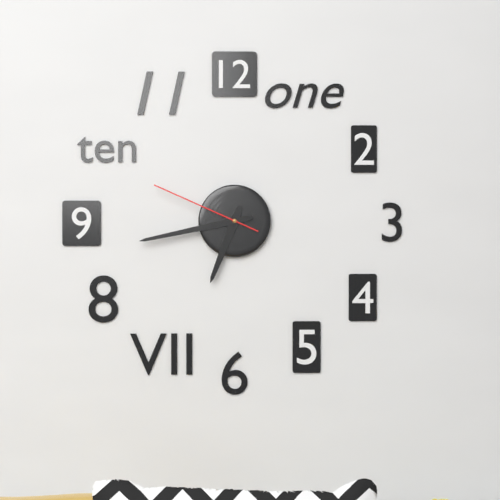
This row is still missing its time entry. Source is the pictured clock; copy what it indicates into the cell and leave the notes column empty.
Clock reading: 6:43:49
